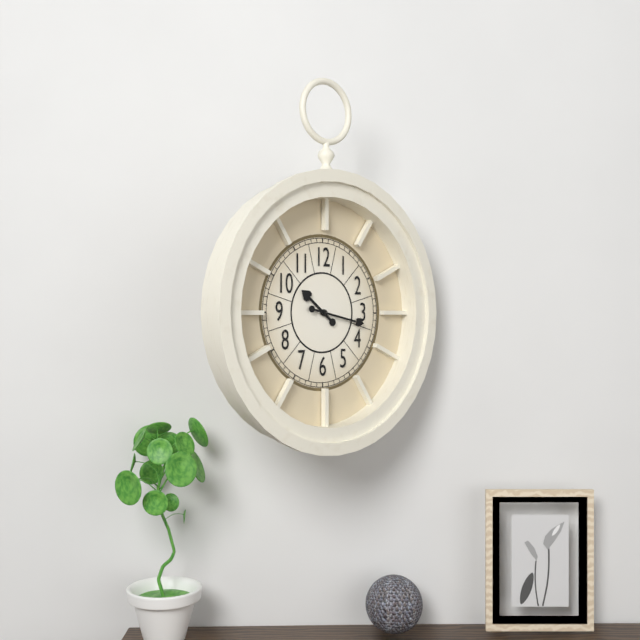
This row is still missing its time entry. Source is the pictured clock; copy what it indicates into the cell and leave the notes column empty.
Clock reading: 10:17
